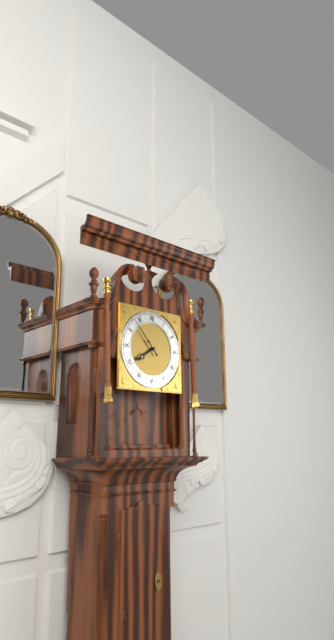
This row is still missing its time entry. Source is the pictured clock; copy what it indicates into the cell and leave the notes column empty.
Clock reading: 7:53
